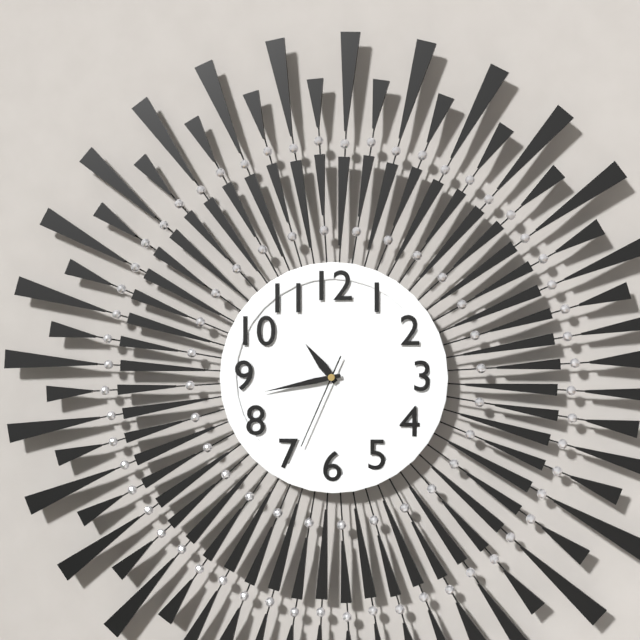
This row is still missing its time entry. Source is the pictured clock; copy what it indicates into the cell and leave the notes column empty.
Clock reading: 10:43:34
